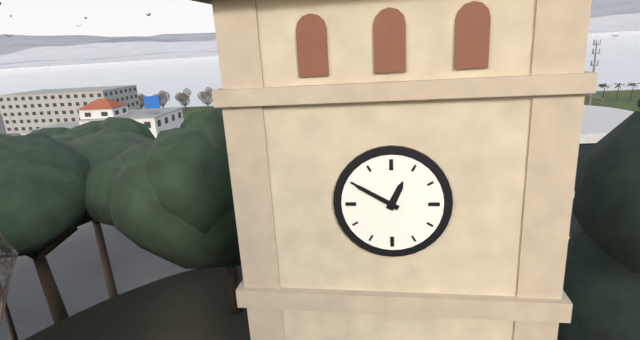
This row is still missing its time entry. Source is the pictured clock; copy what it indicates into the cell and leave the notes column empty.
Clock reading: 12:50
